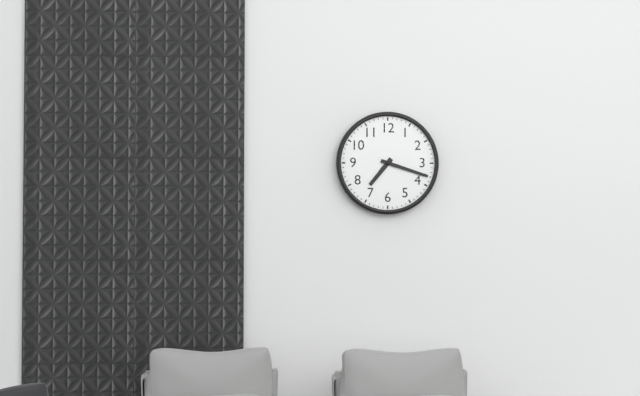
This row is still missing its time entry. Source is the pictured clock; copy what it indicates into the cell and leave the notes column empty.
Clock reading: 7:18
